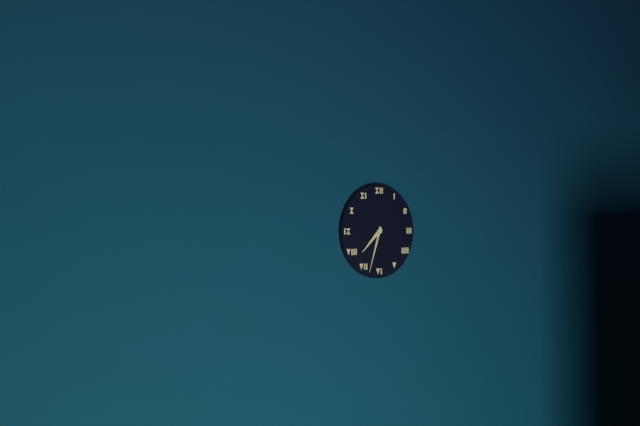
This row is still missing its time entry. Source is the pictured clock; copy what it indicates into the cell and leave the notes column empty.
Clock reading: 7:33
